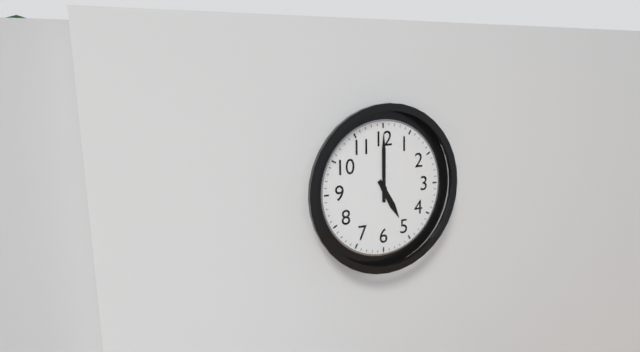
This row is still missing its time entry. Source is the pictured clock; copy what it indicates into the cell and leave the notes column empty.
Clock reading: 5:00
